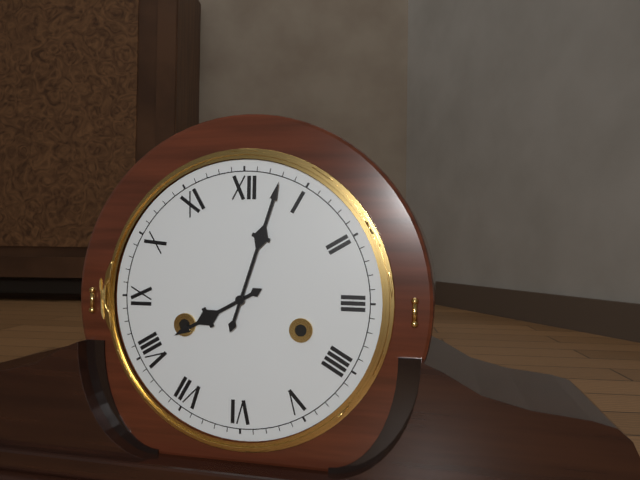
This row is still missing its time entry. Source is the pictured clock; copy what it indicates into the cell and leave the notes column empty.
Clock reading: 8:03
